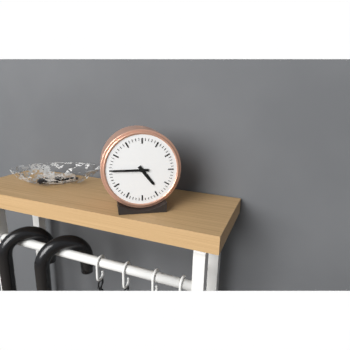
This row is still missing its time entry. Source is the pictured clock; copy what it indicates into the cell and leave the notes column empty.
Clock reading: 4:45
